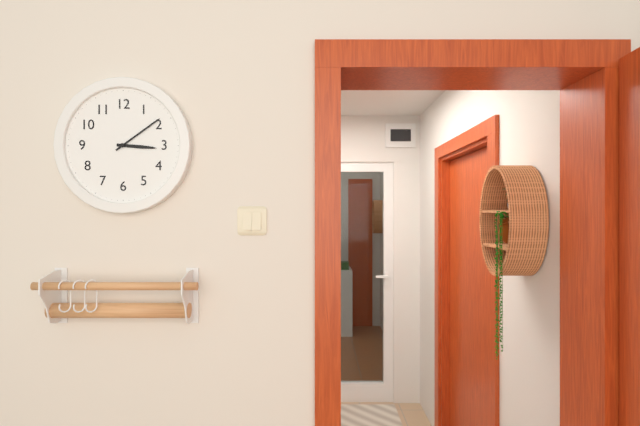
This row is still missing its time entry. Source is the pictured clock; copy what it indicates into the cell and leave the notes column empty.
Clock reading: 3:09
